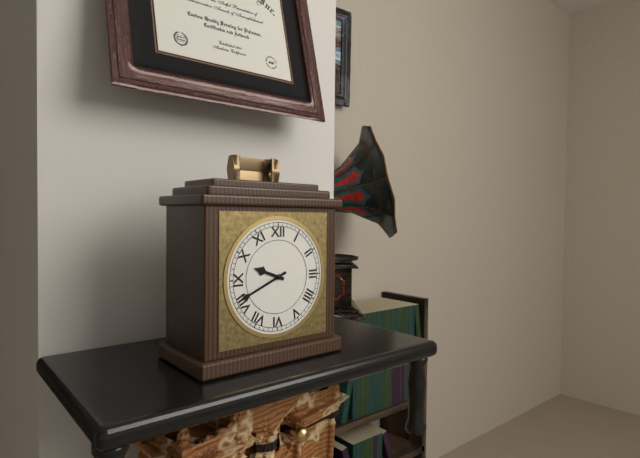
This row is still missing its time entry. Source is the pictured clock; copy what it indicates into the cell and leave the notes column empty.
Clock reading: 9:41
